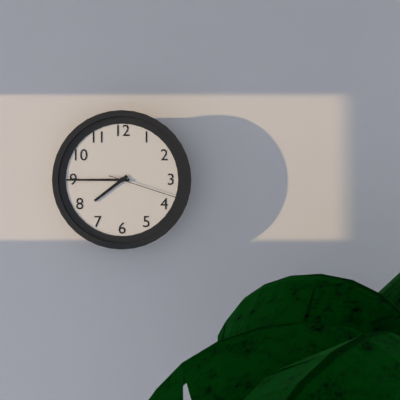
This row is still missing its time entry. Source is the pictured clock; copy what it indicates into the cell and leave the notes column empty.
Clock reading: 7:45:18
